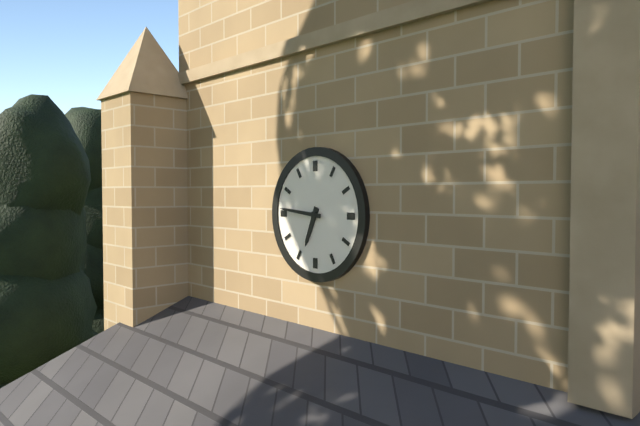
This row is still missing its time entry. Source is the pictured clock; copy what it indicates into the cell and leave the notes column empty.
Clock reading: 6:46
